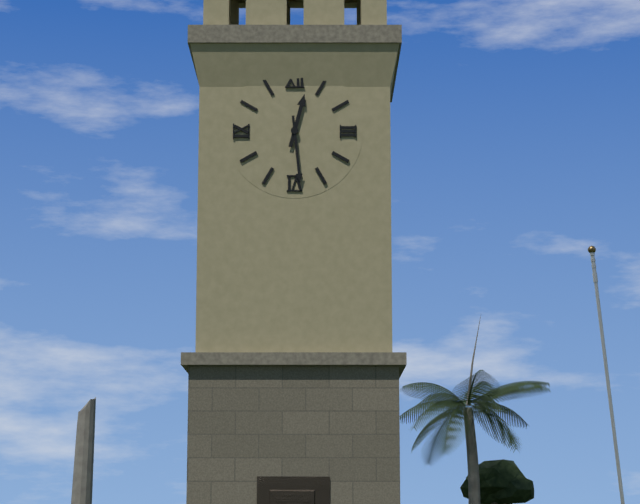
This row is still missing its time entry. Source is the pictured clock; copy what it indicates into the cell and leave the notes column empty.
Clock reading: 12:29
